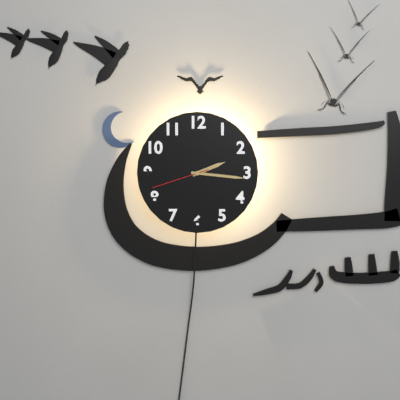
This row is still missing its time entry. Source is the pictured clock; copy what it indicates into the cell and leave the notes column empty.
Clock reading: 2:16:42
